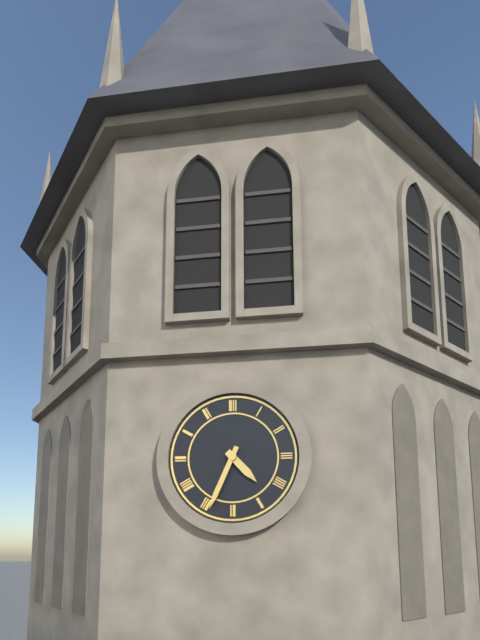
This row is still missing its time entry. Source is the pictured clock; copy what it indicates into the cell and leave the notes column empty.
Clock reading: 4:34
